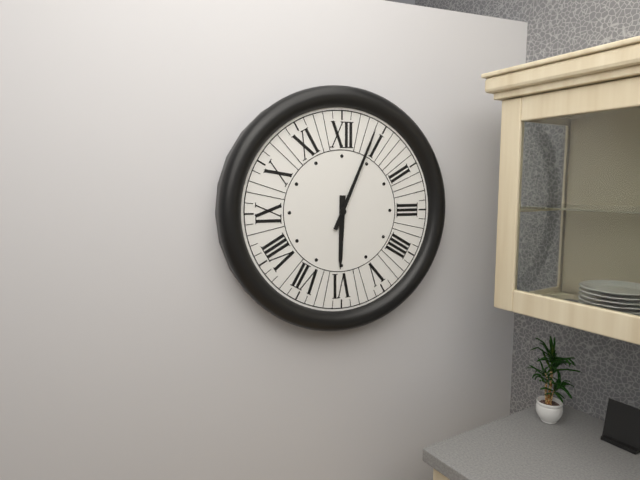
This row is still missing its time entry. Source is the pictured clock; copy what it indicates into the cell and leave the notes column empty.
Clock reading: 6:04
